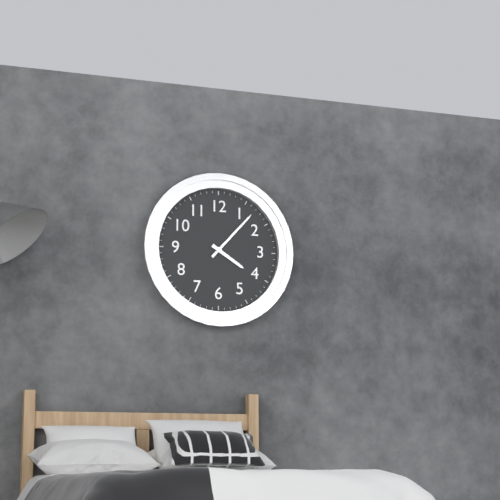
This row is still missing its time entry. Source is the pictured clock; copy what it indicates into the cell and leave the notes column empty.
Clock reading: 4:07
